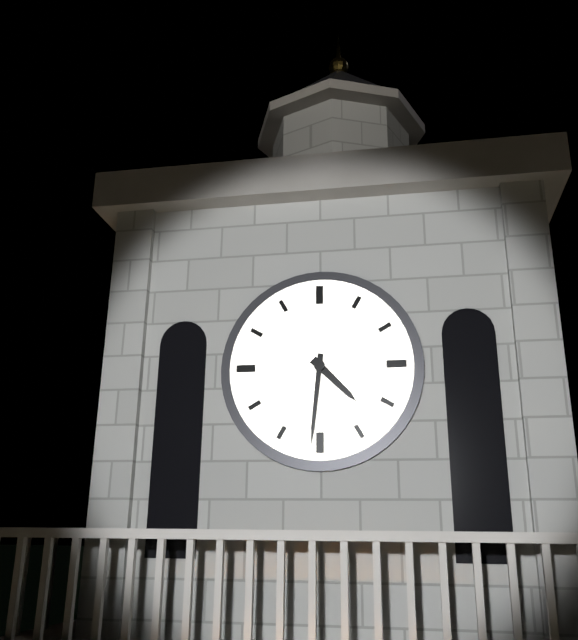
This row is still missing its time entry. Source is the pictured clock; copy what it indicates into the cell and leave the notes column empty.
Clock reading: 4:31
